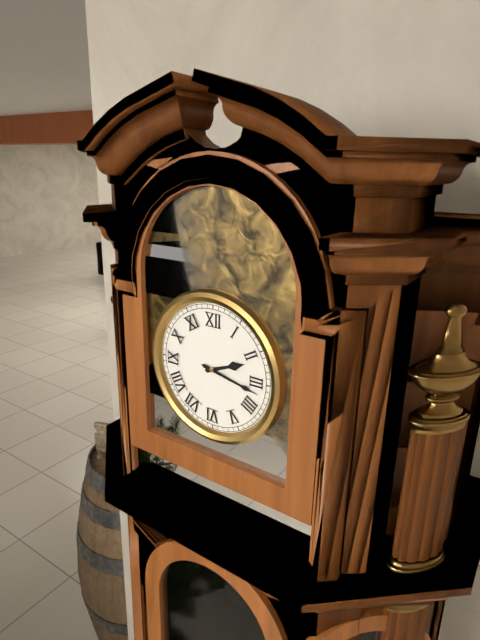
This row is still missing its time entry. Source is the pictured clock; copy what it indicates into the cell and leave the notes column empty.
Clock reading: 2:17
